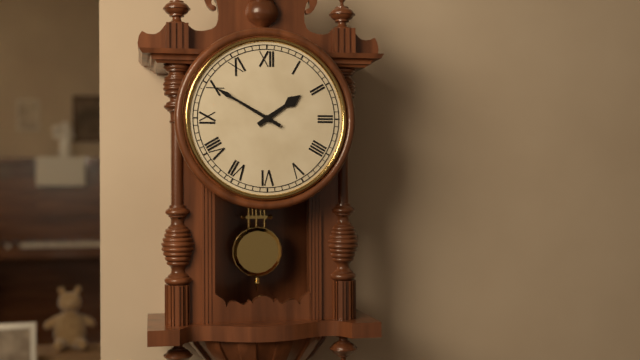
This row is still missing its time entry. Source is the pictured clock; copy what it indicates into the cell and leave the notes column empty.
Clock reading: 1:50
